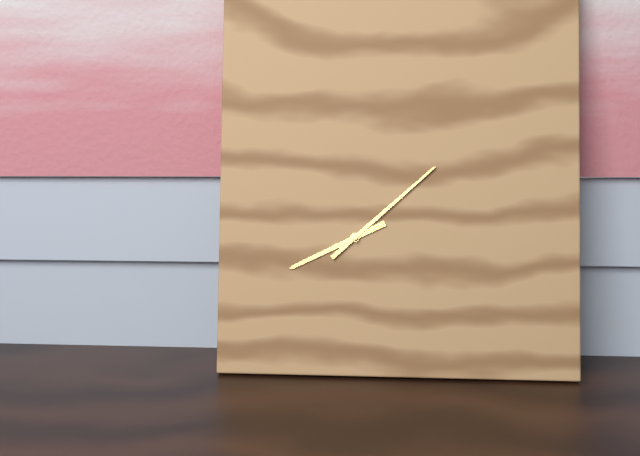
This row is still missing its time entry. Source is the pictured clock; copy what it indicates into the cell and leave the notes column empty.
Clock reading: 8:08
